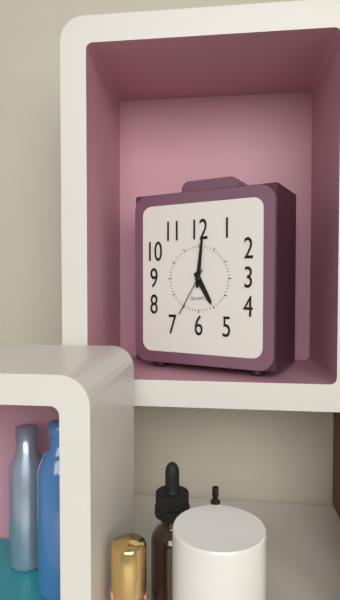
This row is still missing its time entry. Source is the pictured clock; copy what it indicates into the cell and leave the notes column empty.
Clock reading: 5:01:35
